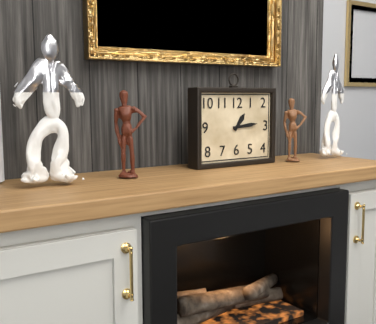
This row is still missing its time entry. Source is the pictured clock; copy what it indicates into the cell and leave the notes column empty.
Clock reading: 1:14
